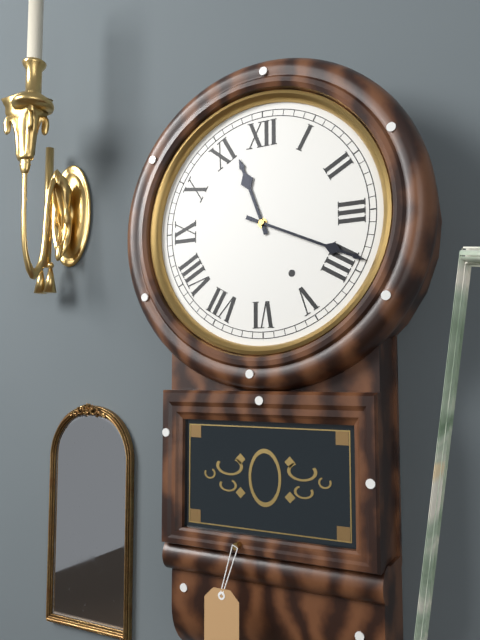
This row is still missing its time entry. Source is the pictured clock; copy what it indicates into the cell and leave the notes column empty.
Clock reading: 11:19
